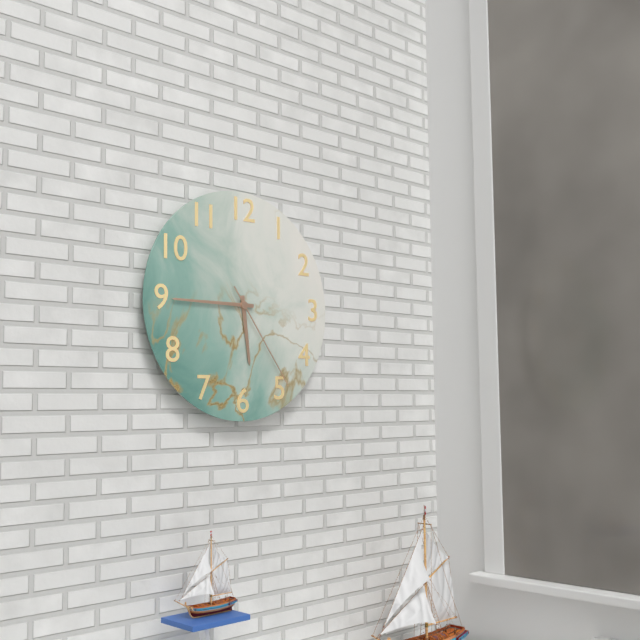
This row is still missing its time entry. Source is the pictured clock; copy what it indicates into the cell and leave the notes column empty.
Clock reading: 5:45:24
